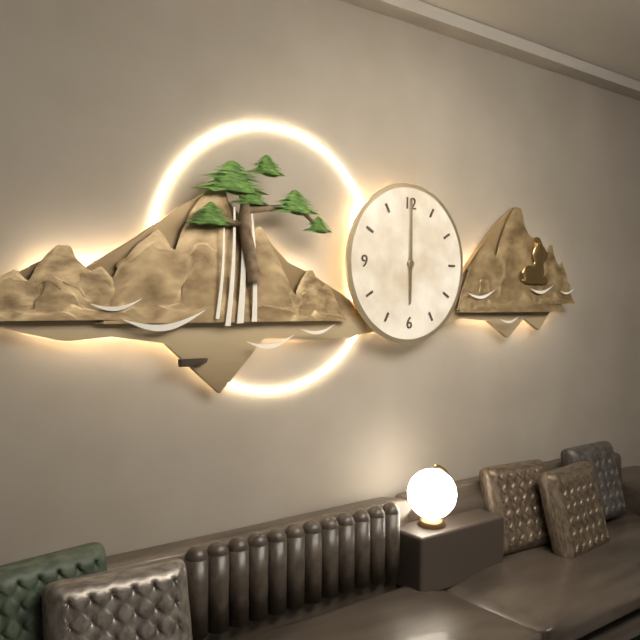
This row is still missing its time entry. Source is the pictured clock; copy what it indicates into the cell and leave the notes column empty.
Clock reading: 6:00
